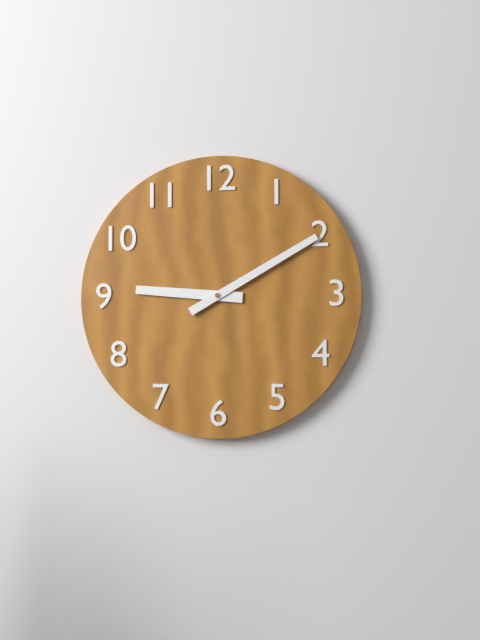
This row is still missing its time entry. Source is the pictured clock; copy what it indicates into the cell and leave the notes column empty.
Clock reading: 9:10
